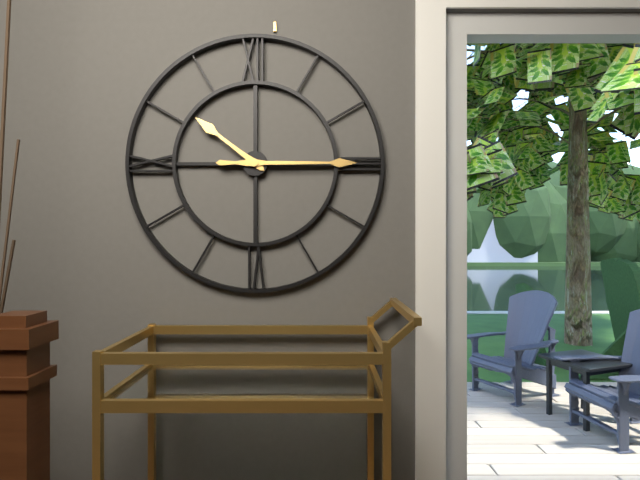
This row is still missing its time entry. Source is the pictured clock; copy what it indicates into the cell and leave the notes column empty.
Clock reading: 10:15
